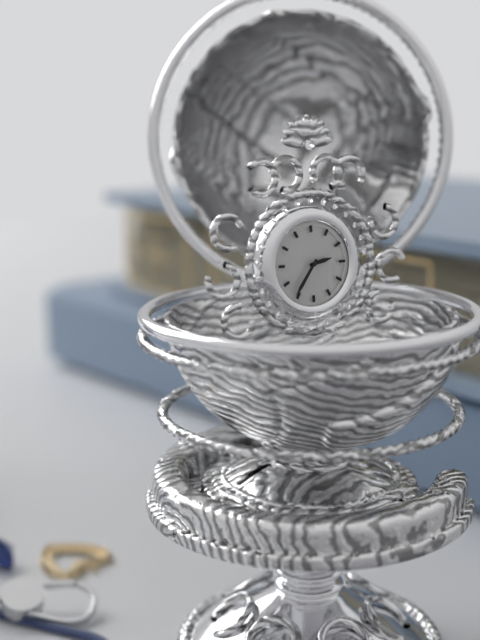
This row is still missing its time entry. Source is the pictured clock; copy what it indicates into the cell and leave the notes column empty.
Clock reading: 2:36
